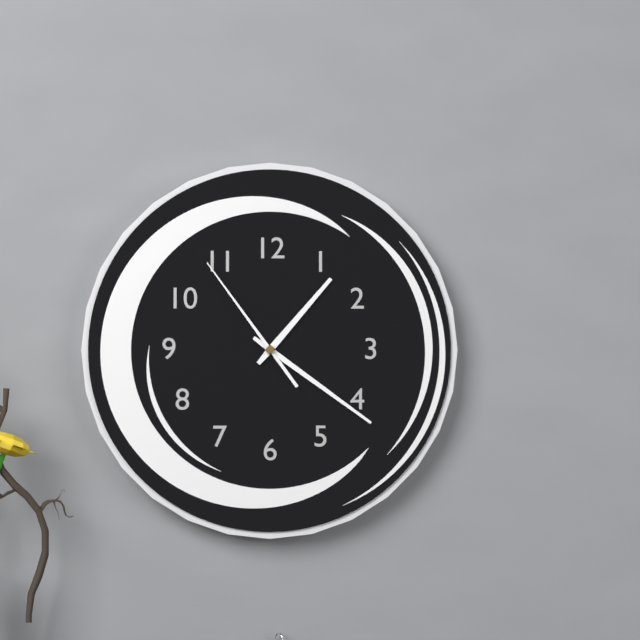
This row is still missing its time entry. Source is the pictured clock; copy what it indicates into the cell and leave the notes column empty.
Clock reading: 1:21:54
